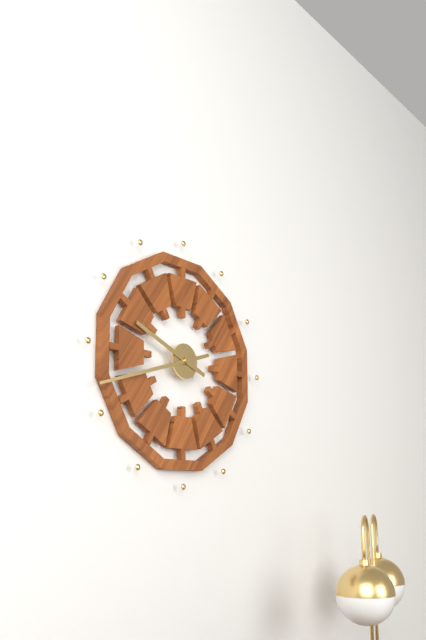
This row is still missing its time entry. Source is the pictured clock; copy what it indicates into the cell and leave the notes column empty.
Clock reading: 9:42
